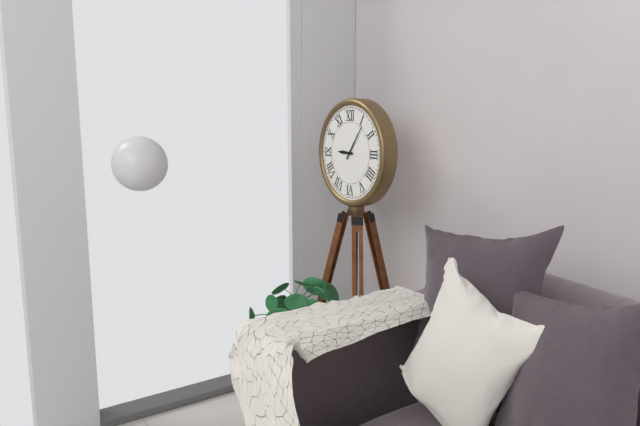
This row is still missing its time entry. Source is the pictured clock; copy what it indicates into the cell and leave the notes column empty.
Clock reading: 9:06
